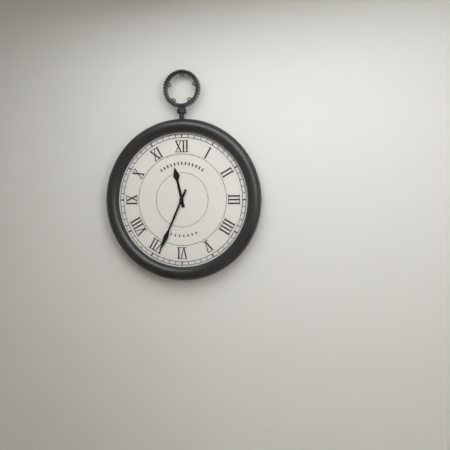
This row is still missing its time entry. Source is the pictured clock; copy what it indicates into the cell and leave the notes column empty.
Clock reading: 11:34
